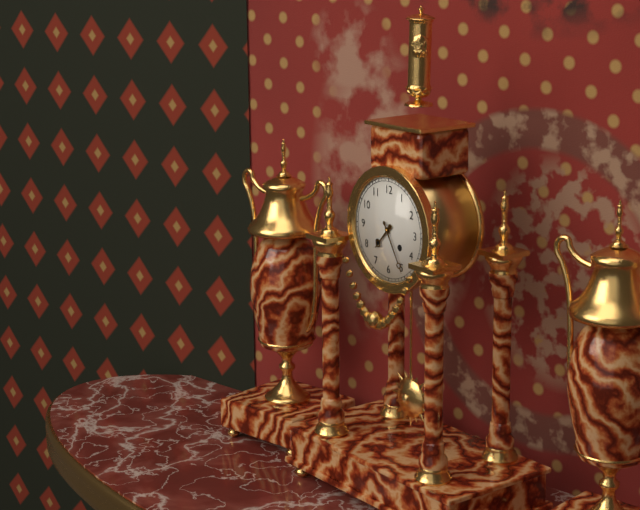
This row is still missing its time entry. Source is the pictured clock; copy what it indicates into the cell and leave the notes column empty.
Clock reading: 7:25
